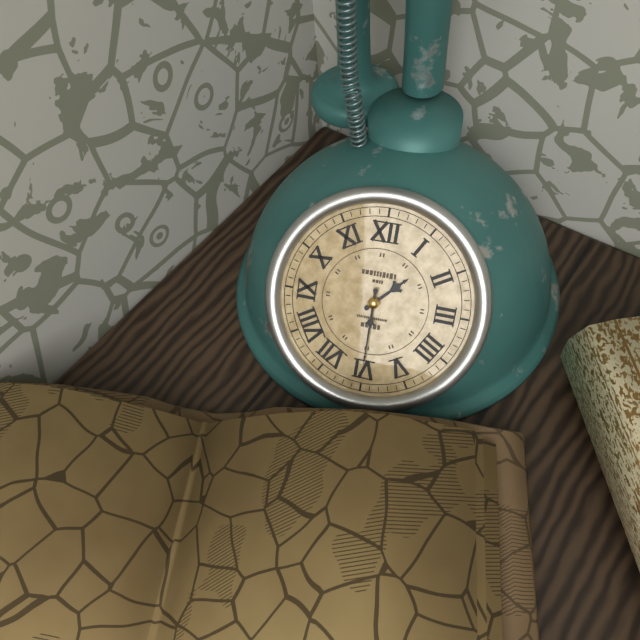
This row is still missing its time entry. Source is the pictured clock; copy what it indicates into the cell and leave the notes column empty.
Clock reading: 1:30
